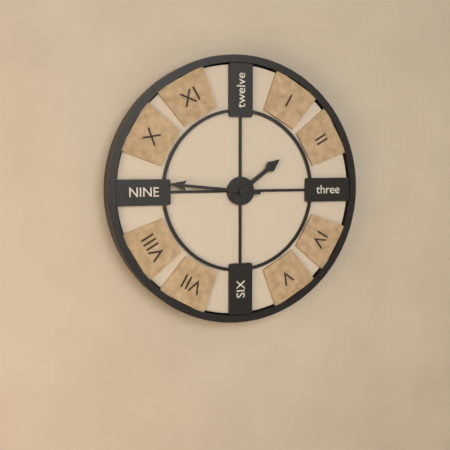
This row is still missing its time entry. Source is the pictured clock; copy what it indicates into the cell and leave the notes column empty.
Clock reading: 1:46
